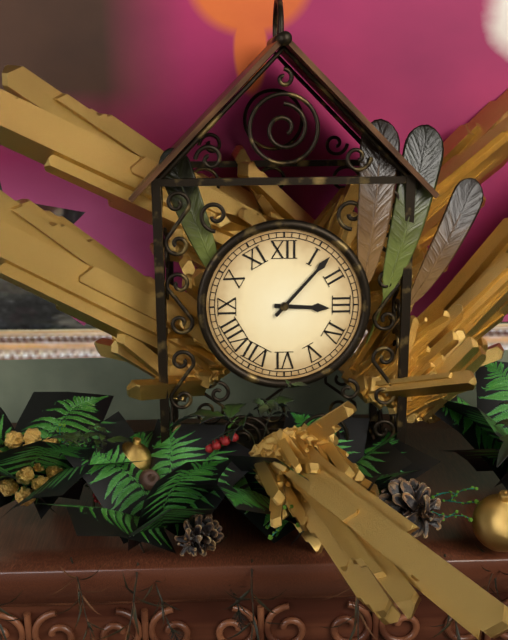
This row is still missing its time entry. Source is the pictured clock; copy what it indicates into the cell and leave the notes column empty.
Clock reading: 3:07
